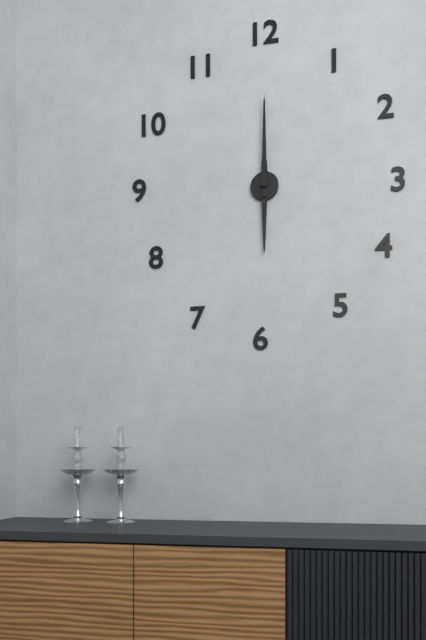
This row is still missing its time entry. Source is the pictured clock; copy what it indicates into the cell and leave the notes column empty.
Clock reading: 6:00
